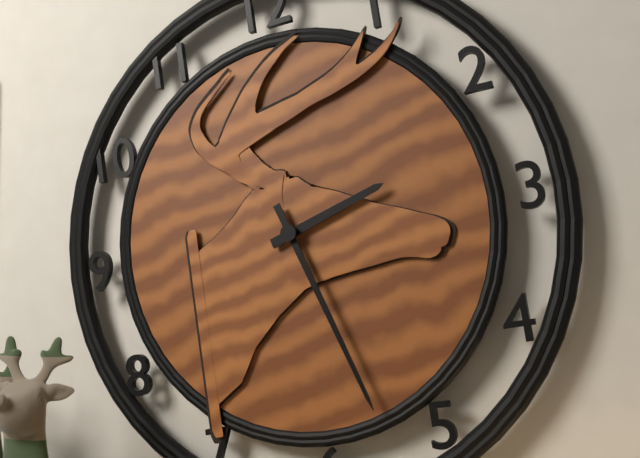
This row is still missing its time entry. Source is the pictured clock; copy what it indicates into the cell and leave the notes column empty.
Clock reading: 2:27
